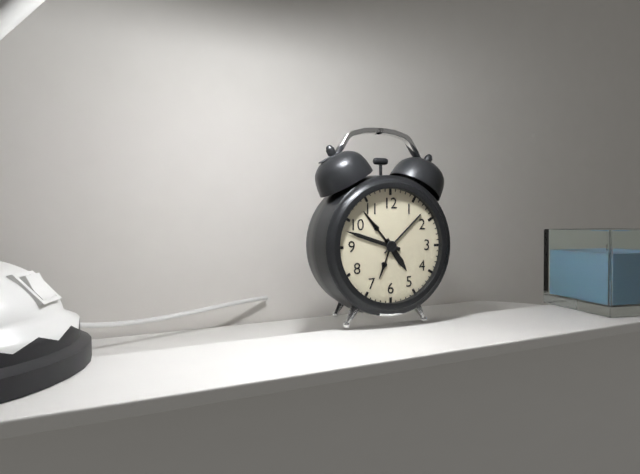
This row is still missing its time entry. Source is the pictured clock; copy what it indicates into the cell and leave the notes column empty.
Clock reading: 4:48
